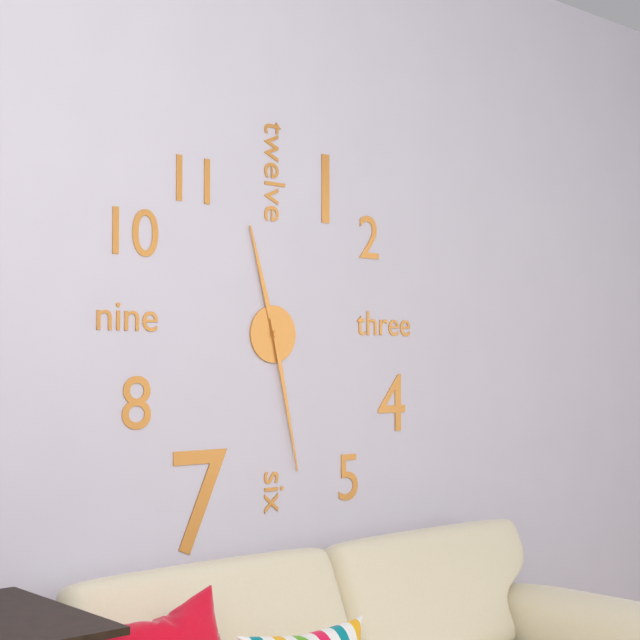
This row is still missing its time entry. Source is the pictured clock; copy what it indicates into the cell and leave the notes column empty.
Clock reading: 11:28
